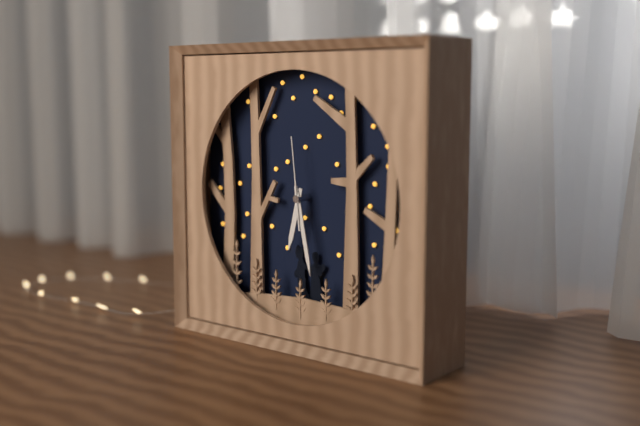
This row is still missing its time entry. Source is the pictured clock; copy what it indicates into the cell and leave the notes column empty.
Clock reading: 6:28:59
